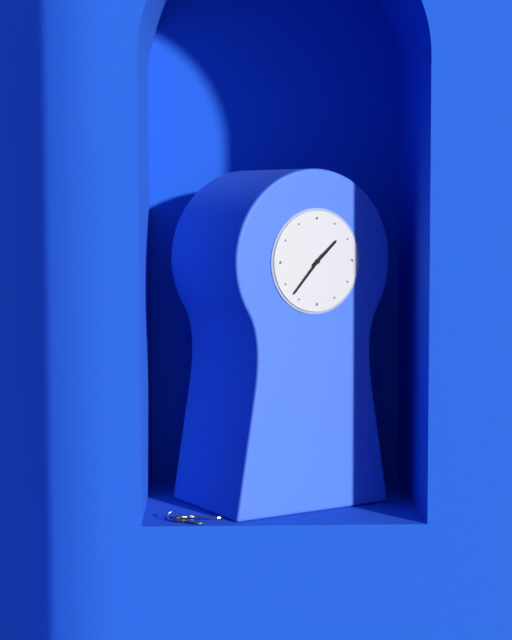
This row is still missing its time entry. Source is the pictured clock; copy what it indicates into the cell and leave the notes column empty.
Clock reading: 1:37
